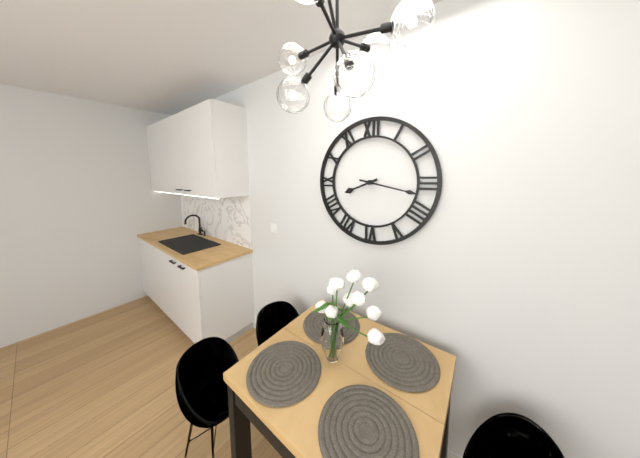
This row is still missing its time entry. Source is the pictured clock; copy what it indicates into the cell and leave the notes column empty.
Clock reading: 8:17
